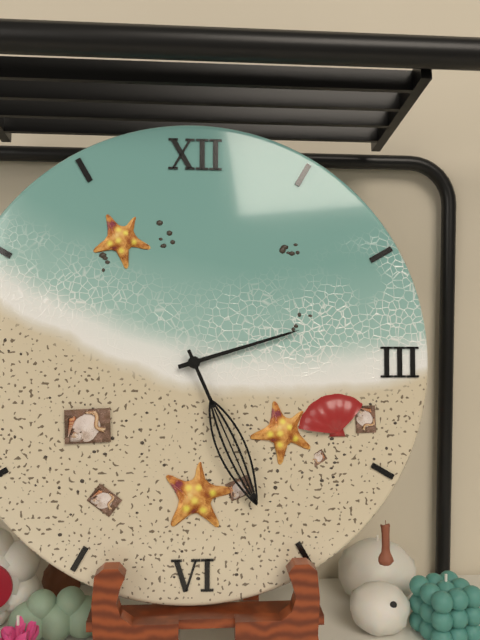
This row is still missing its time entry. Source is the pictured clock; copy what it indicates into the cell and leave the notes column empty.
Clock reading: 2:26
